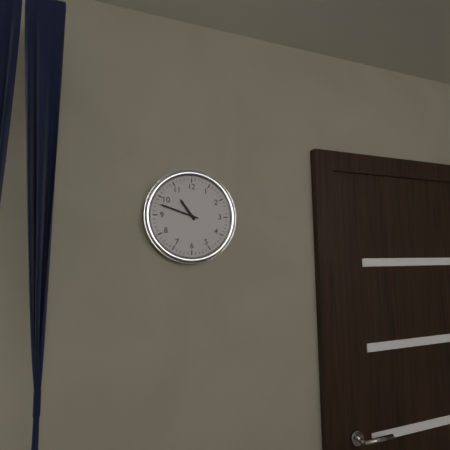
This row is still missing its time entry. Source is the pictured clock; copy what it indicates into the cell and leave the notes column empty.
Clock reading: 10:48
